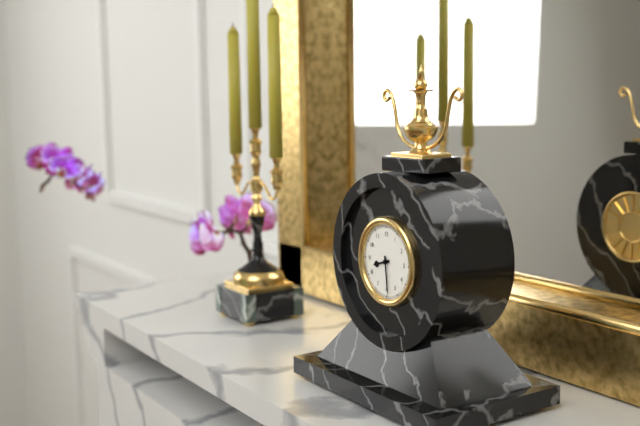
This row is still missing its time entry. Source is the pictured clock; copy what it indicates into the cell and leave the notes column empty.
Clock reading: 8:29
